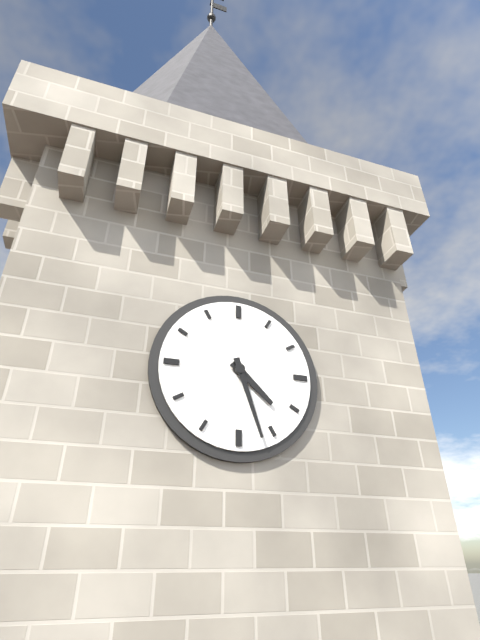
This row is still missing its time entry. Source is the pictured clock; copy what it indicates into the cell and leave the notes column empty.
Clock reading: 4:27
